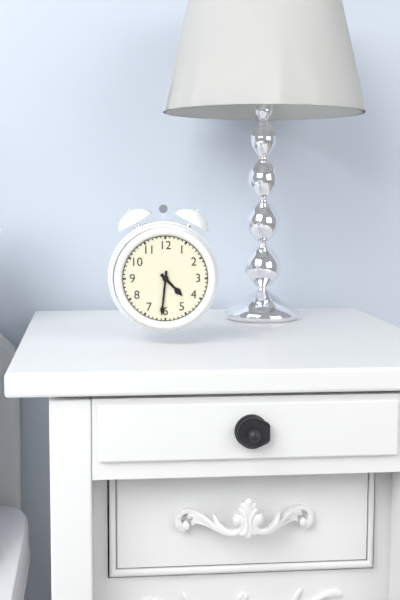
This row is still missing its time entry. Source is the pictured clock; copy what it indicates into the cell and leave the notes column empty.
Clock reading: 4:31
